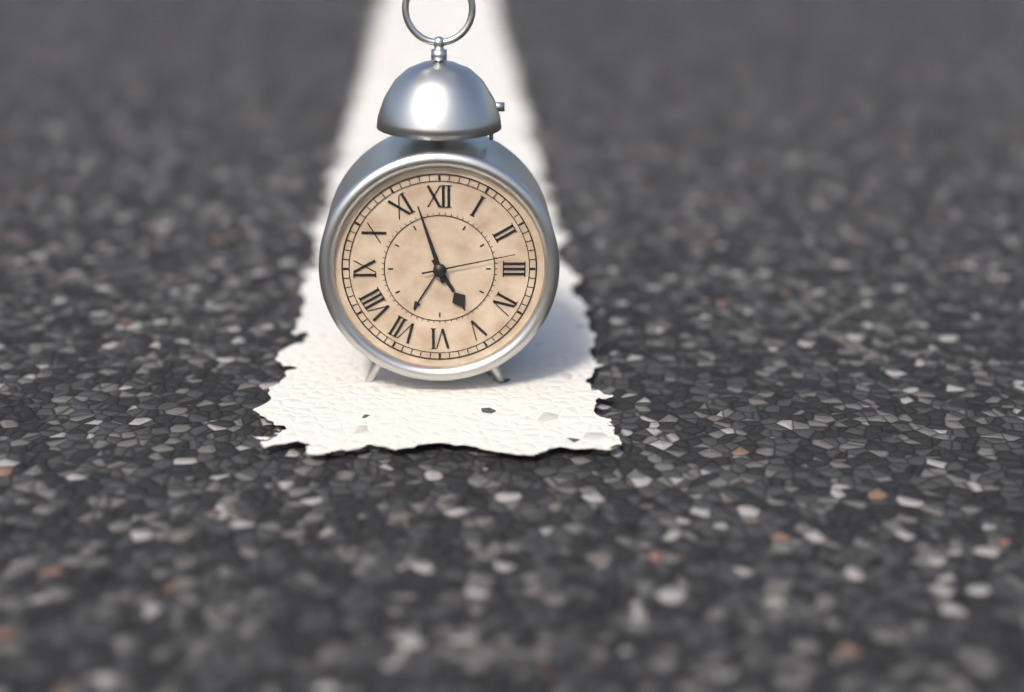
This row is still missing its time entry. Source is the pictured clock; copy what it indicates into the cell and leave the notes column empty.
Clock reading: 4:57:13
